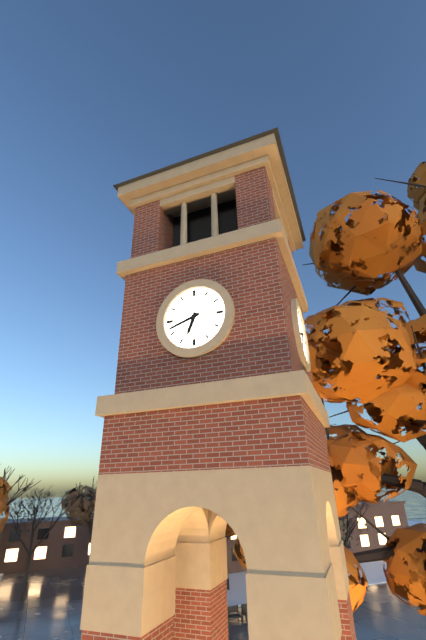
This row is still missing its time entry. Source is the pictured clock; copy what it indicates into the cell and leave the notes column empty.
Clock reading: 6:42
